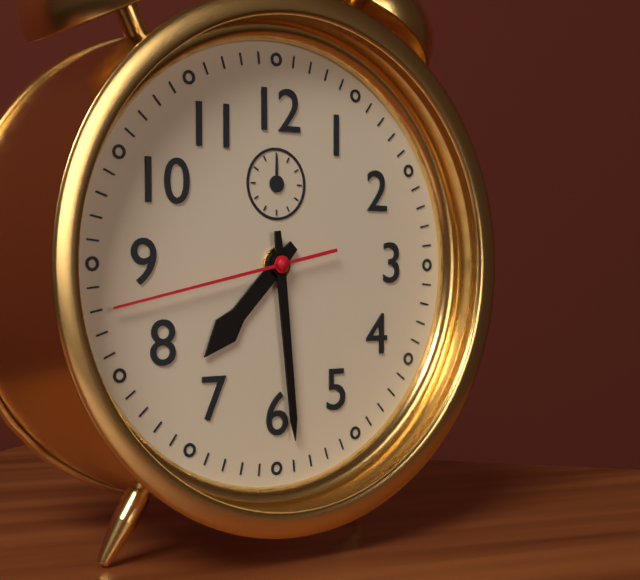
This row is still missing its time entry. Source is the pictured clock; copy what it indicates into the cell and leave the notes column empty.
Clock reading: 7:29:43
